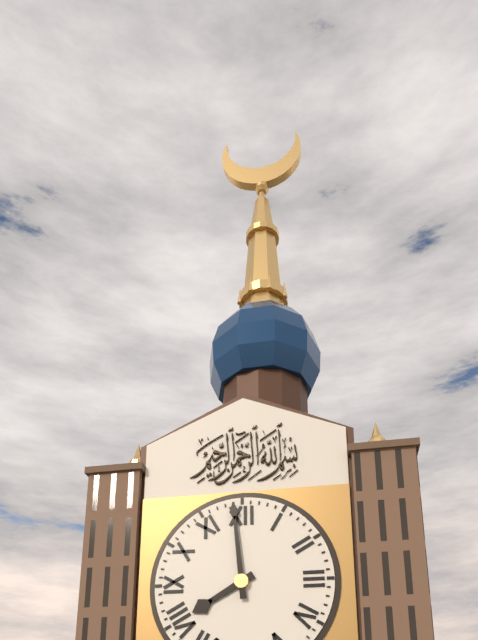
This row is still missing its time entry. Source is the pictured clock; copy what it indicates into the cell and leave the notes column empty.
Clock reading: 7:59
